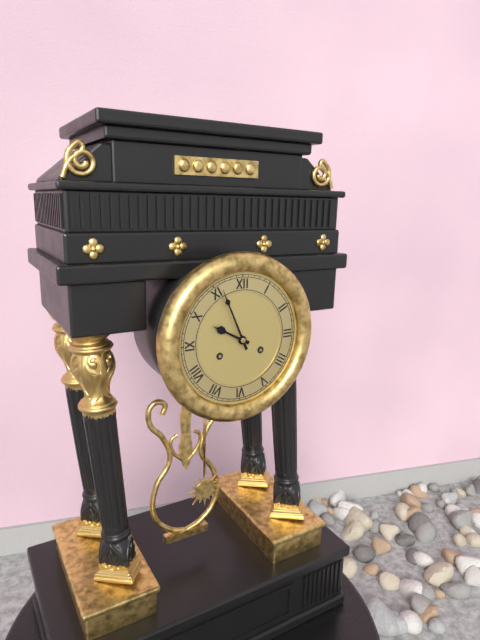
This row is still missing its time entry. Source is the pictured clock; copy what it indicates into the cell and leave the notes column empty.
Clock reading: 9:56
